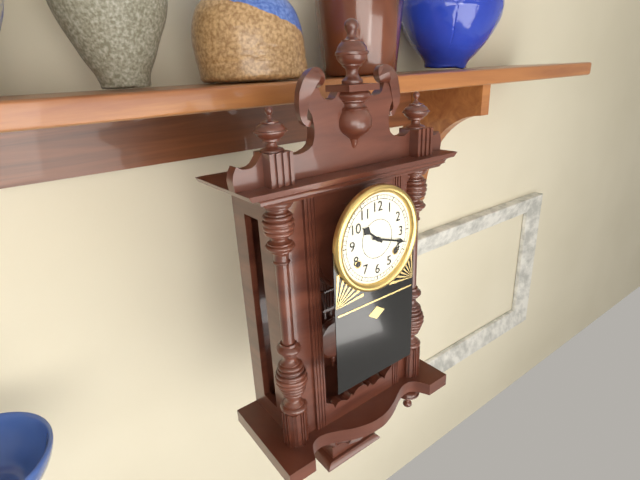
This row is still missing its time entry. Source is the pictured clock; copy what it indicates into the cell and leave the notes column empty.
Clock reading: 10:18
